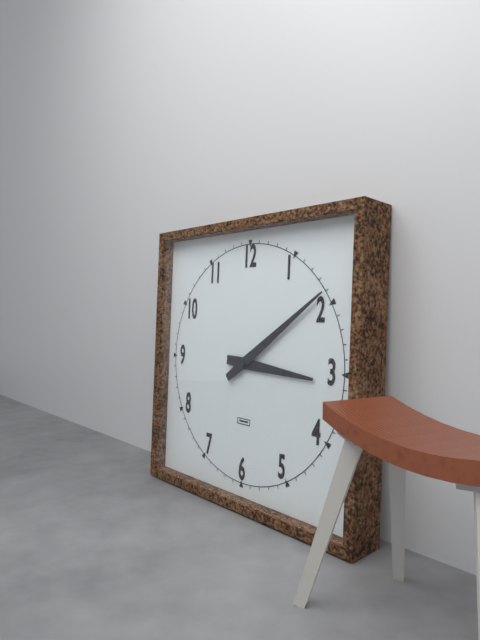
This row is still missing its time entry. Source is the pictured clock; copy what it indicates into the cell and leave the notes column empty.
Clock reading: 3:09
